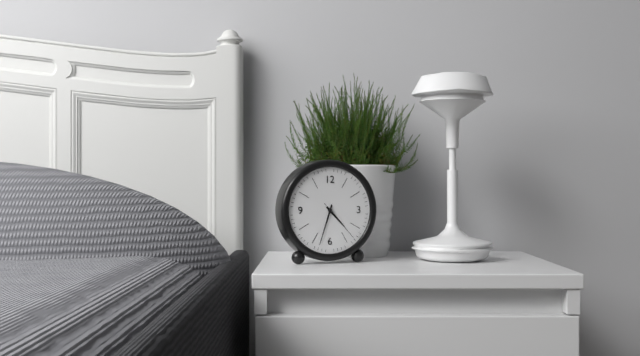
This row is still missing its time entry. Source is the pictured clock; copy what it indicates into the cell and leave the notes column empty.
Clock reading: 4:33
